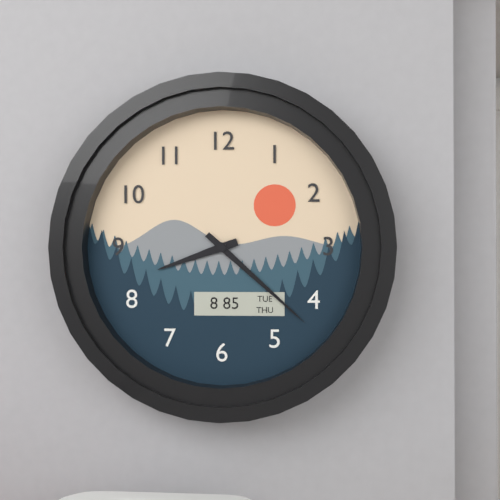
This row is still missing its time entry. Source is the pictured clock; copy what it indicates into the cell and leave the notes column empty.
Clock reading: 8:22
